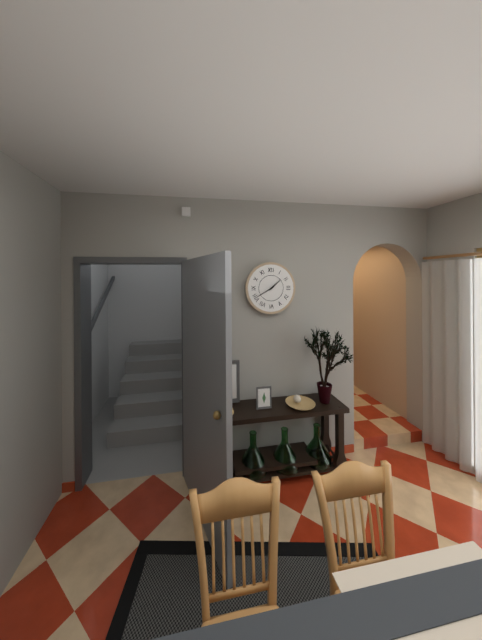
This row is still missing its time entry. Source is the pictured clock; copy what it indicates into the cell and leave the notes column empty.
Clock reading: 1:40
